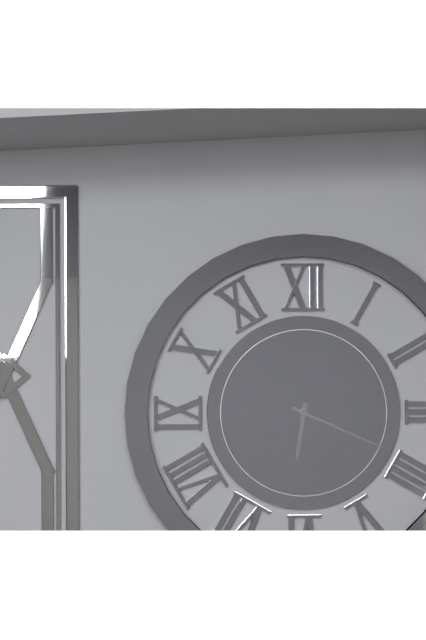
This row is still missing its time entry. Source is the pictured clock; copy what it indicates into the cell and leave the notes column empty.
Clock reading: 6:19
